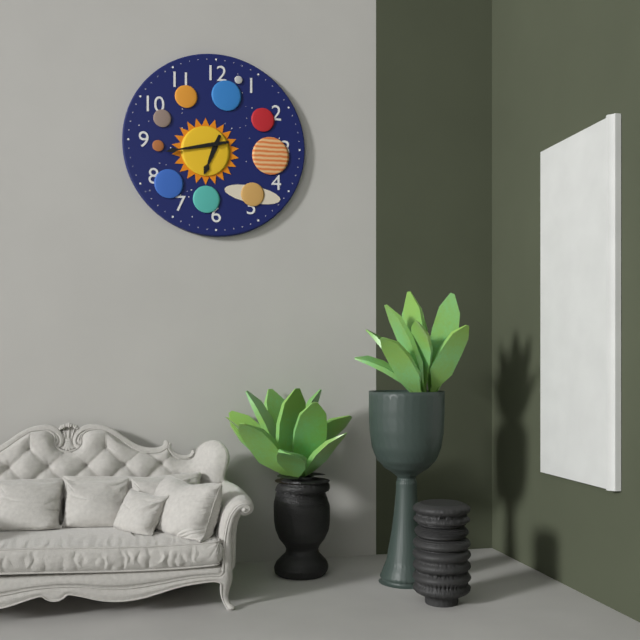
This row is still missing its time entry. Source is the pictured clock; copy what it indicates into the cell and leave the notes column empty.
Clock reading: 6:43
